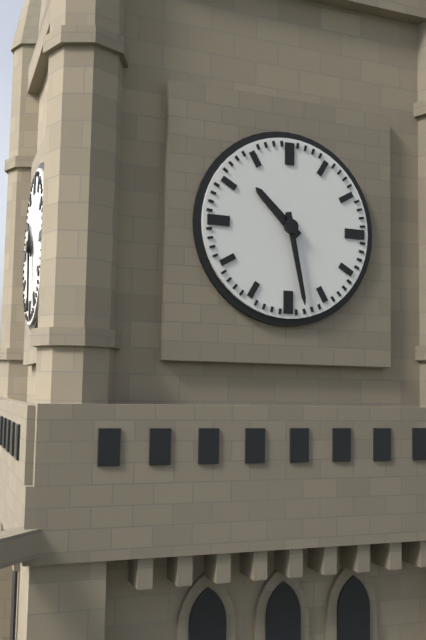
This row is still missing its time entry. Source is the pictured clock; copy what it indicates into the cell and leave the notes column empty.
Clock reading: 10:28
